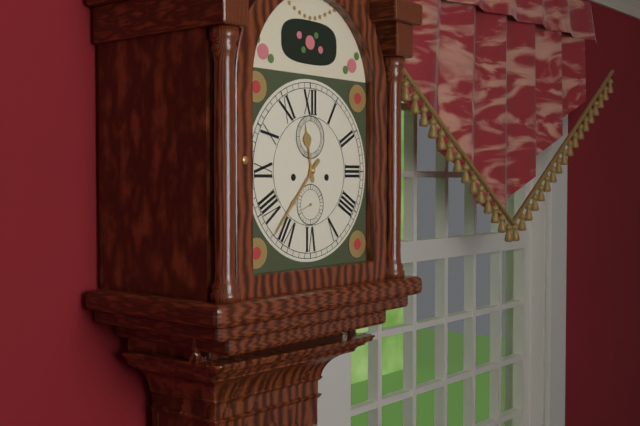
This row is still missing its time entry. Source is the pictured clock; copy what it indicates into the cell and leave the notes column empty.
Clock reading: 11:37
